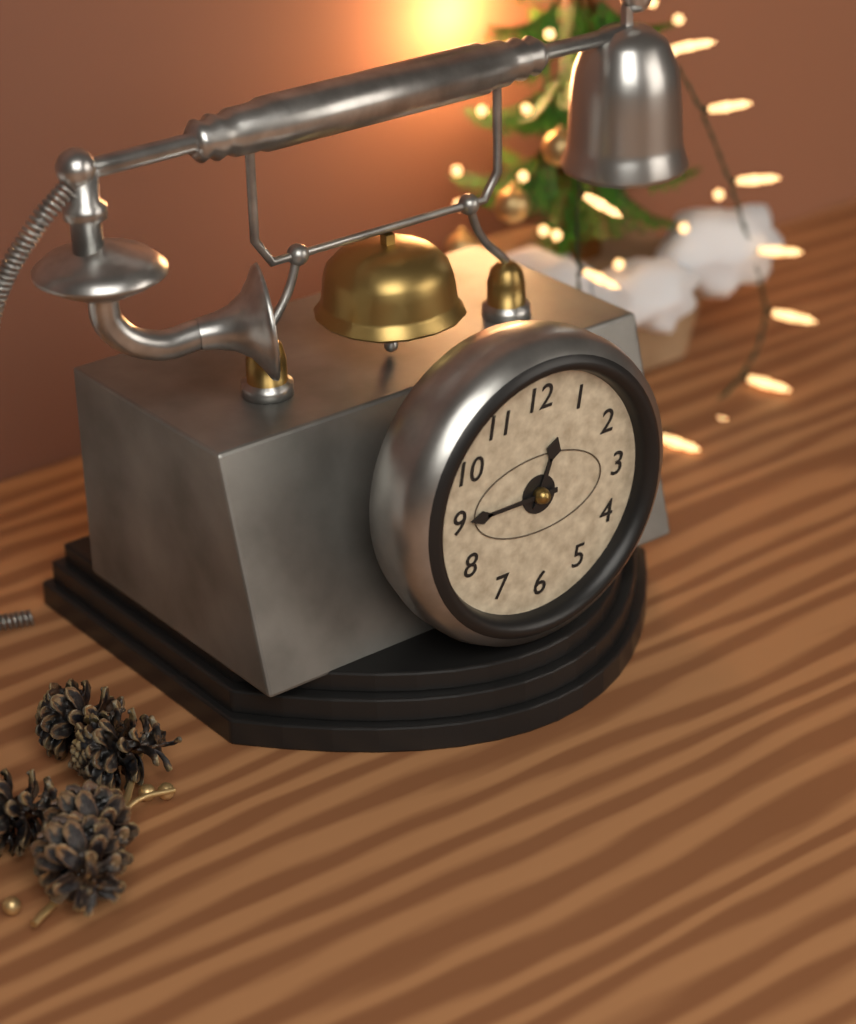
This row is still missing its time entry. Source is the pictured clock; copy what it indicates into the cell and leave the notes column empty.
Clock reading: 12:45
